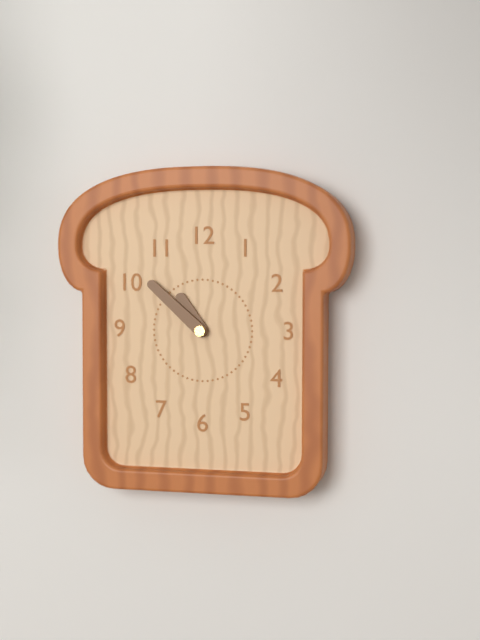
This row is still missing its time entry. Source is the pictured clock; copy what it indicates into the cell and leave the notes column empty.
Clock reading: 10:52
